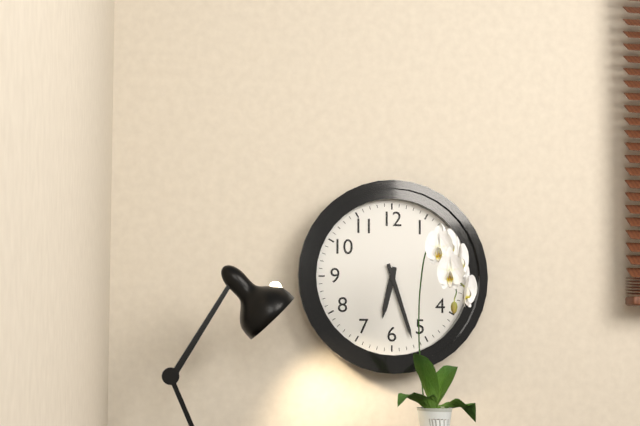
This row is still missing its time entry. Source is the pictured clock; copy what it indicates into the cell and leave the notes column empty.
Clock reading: 6:27
